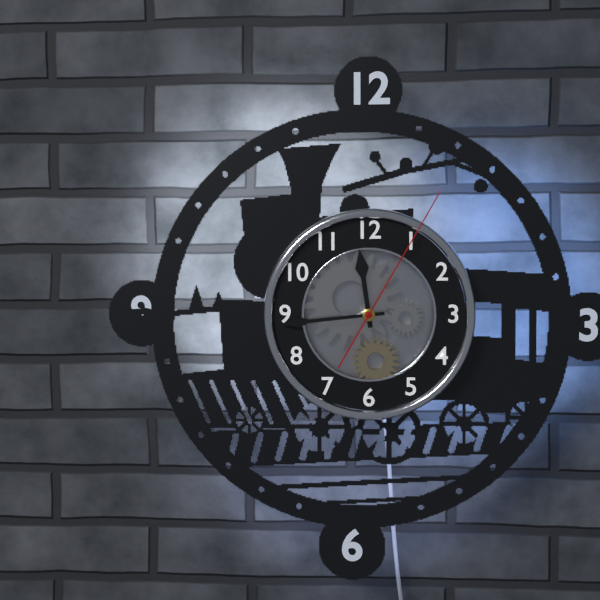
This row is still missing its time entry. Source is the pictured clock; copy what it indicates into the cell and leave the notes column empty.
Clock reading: 11:44:05
